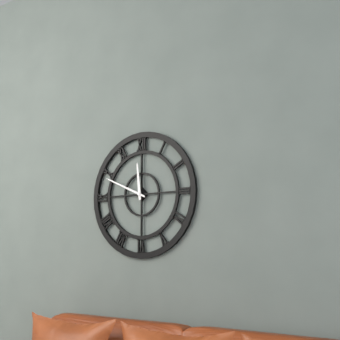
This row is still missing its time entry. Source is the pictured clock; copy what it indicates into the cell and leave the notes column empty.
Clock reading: 11:49
